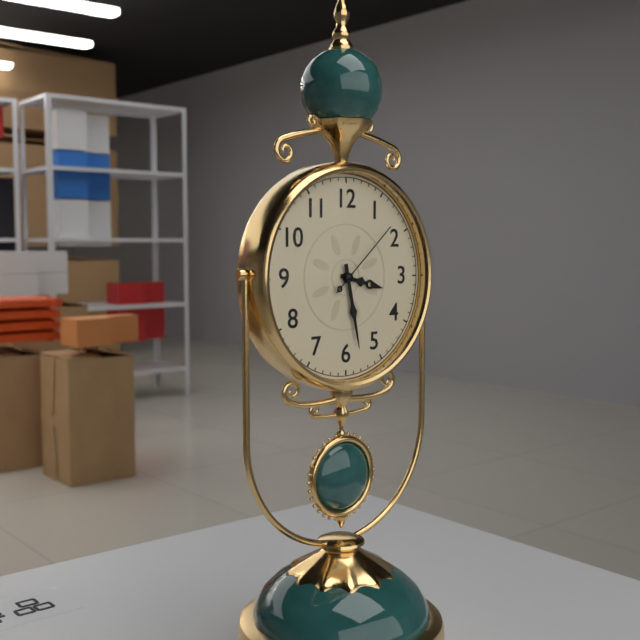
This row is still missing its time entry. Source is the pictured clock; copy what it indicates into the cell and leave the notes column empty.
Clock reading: 3:28:08
